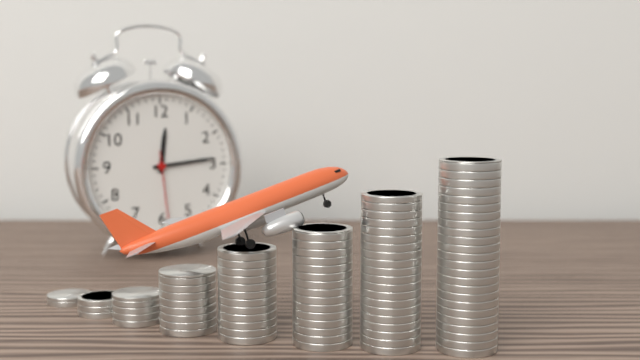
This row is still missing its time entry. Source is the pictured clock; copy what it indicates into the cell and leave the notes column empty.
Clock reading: 12:14:29
